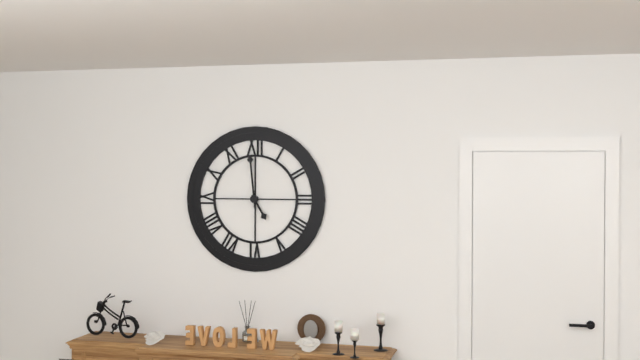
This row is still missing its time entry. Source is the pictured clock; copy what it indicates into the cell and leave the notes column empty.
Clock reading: 4:59
